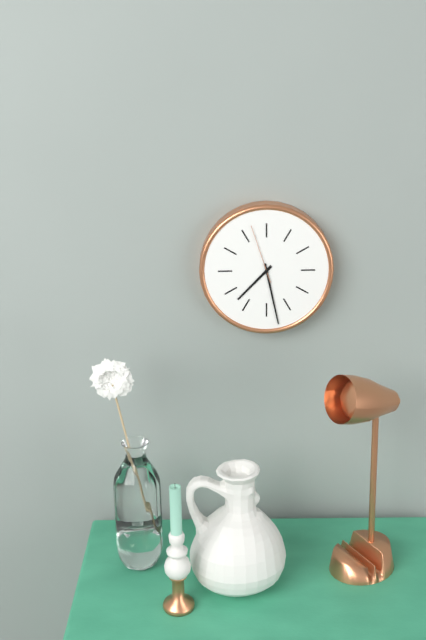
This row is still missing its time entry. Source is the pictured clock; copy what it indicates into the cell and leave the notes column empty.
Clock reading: 7:28:57
